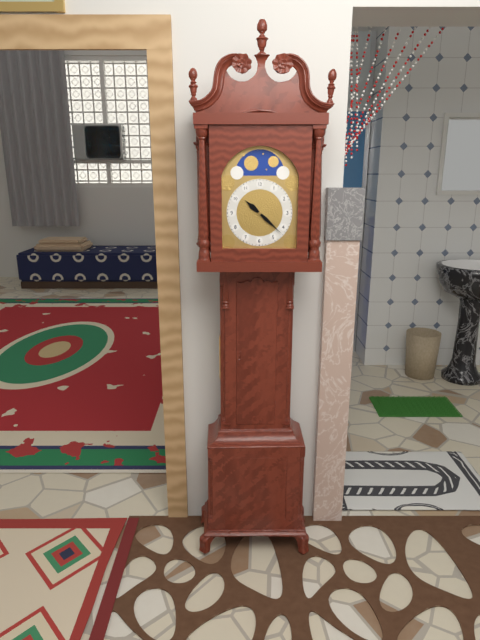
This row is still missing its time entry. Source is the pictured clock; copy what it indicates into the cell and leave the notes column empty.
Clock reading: 10:22
